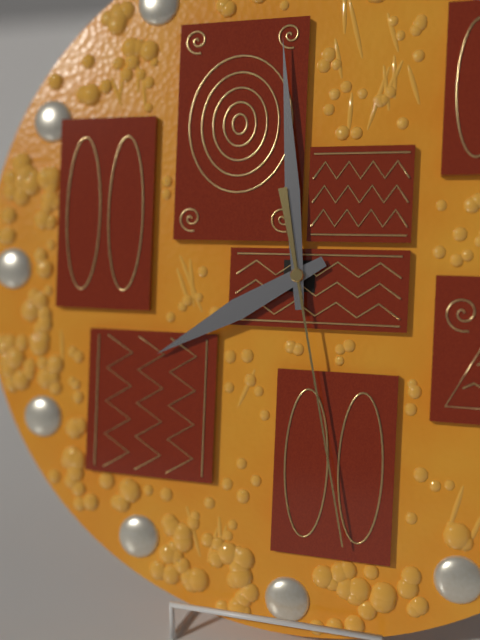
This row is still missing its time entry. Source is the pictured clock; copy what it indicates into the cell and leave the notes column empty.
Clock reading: 7:59:28
